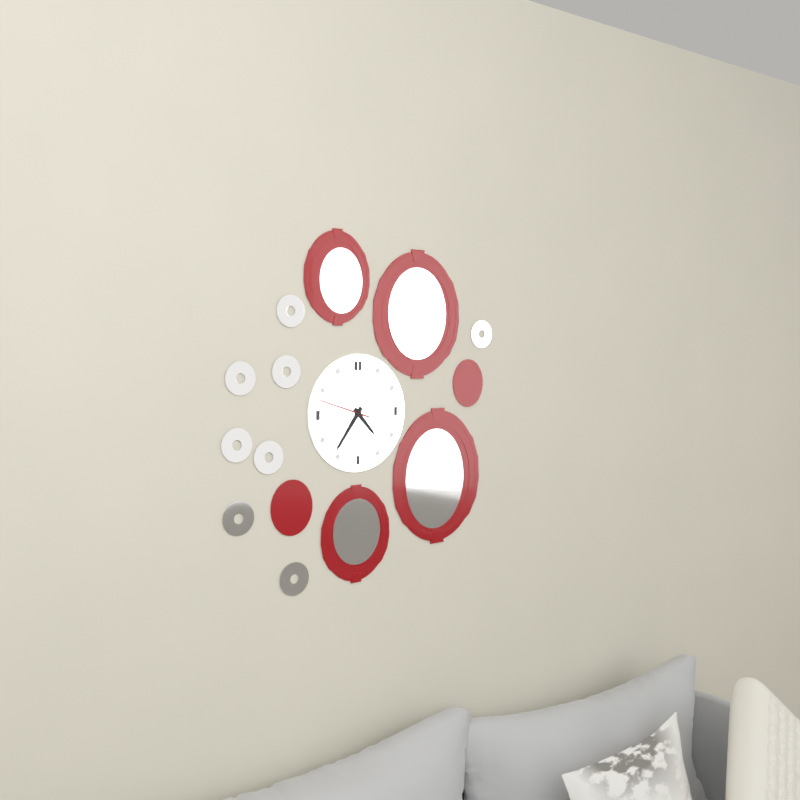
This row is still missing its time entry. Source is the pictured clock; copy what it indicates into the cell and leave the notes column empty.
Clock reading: 4:36:48
